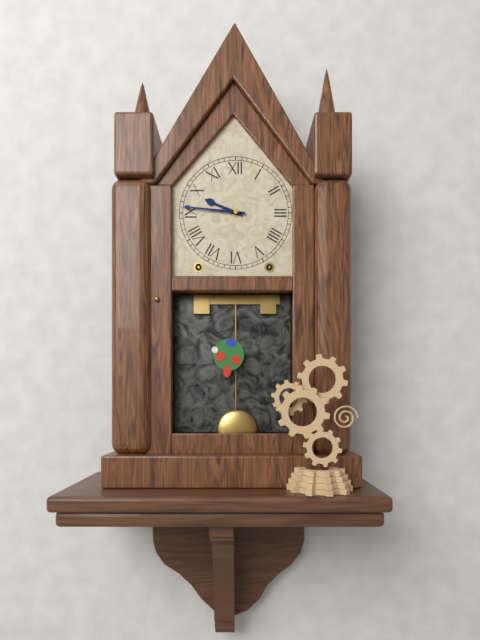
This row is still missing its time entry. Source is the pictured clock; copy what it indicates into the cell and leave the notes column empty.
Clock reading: 9:46
